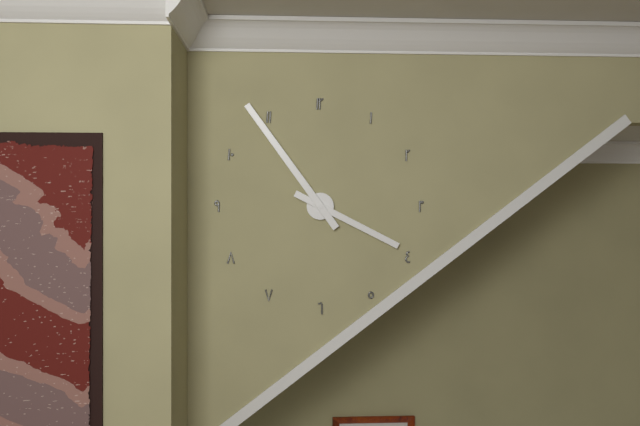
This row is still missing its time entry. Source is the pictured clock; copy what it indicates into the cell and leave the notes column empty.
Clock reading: 3:54
